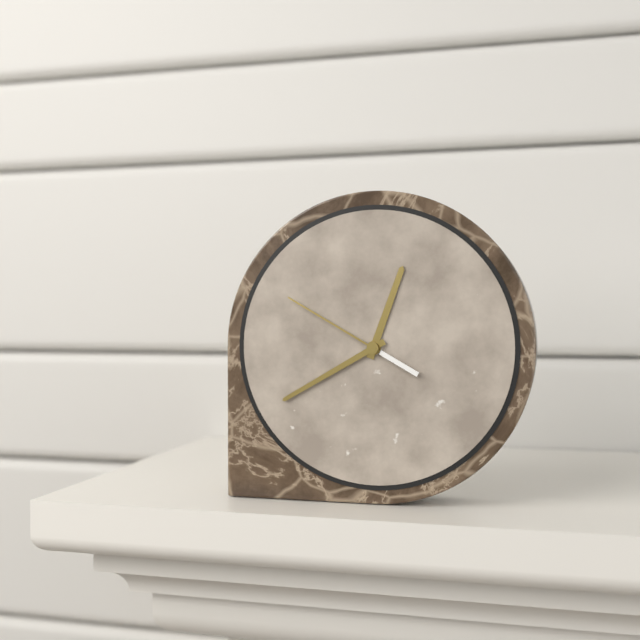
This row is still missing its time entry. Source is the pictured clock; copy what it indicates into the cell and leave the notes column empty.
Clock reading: 12:40:50
